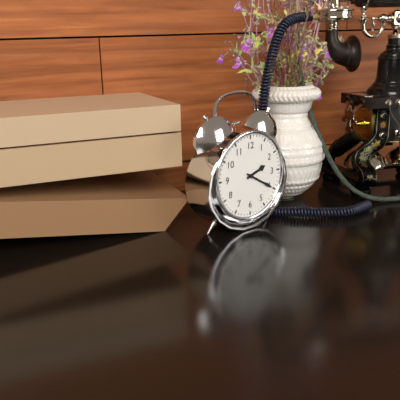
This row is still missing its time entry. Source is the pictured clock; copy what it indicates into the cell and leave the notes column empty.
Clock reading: 2:20
